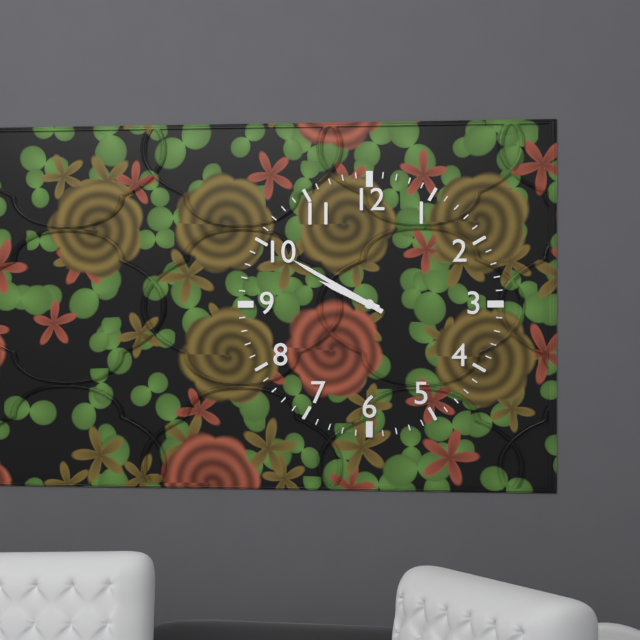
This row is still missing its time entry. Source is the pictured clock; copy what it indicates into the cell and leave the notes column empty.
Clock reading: 9:50
